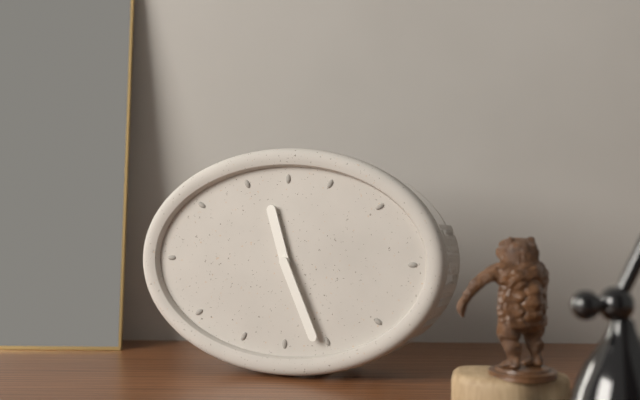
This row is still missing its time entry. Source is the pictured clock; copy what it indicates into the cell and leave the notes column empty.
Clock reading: 11:26
